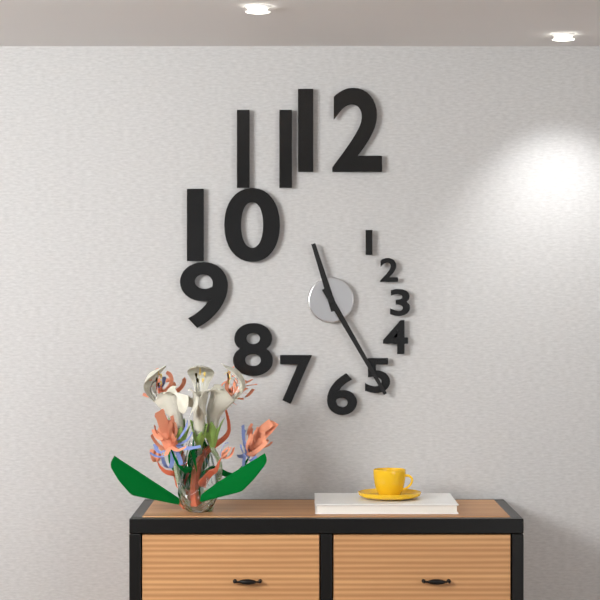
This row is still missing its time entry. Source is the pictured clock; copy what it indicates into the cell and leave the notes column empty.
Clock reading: 11:25
